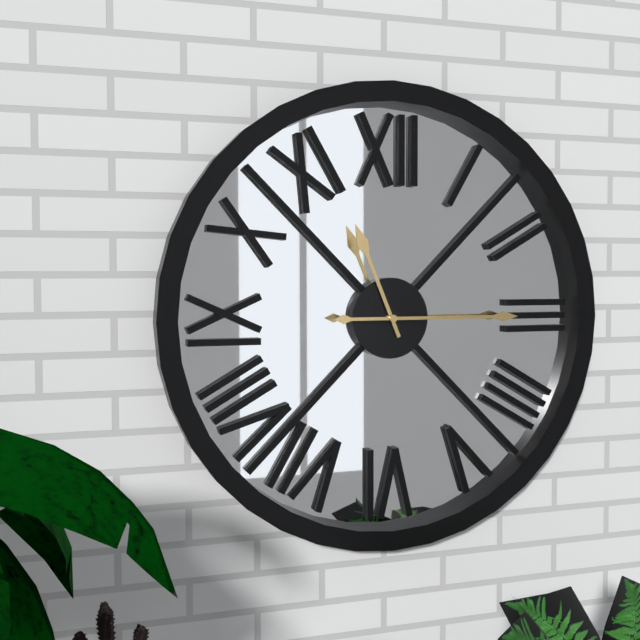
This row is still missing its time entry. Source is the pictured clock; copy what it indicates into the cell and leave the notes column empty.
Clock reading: 11:15
